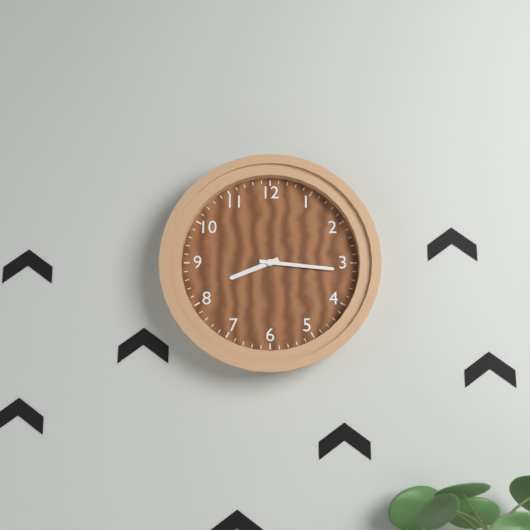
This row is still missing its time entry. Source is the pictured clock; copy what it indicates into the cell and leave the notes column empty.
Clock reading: 8:16
